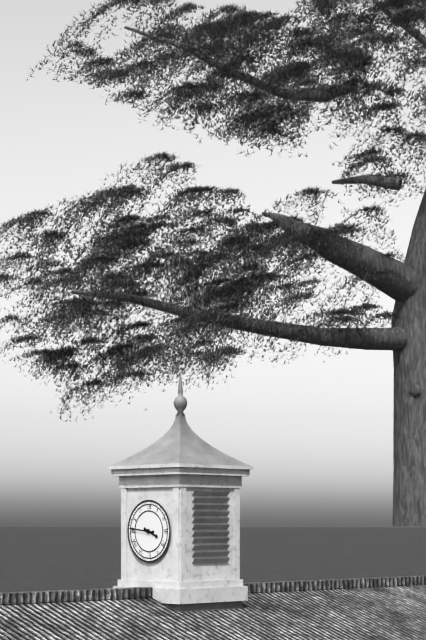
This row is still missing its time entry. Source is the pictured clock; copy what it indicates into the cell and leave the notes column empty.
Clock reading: 3:46
